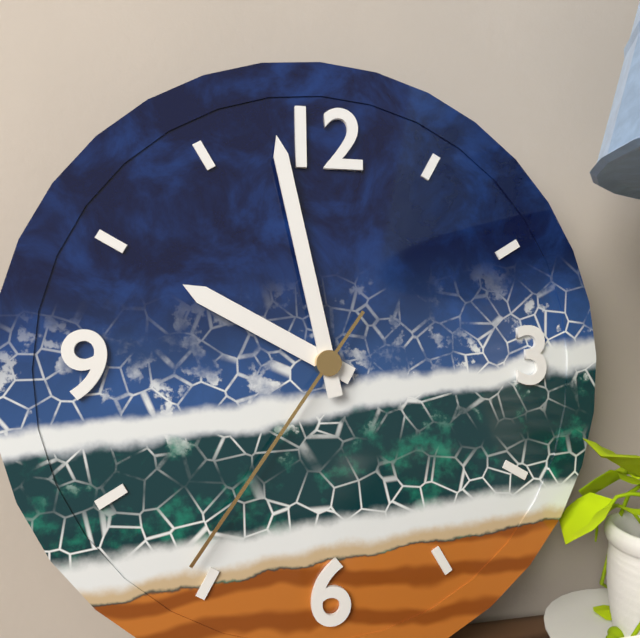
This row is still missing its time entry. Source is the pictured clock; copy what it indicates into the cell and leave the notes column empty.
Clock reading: 9:58:36
